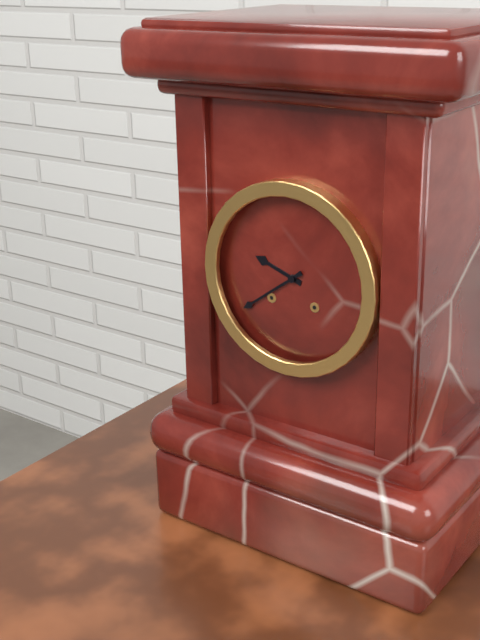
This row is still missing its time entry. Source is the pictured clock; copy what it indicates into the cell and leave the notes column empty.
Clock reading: 9:39
